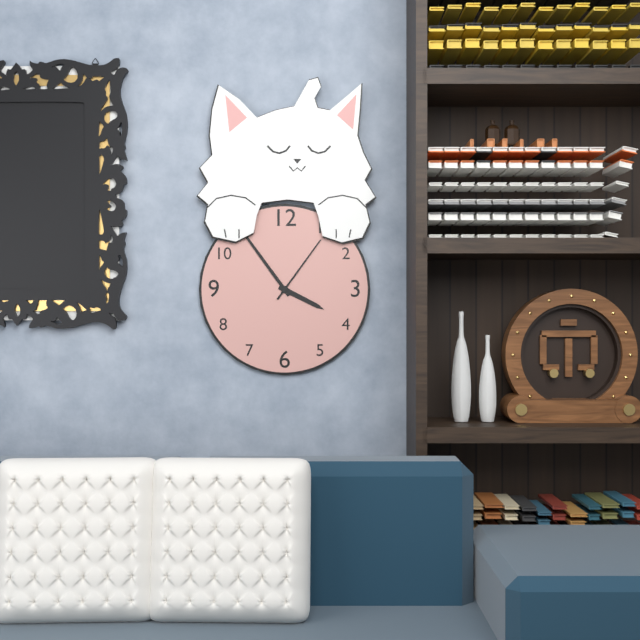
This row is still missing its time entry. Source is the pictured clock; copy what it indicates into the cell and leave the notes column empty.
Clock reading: 3:54:06
